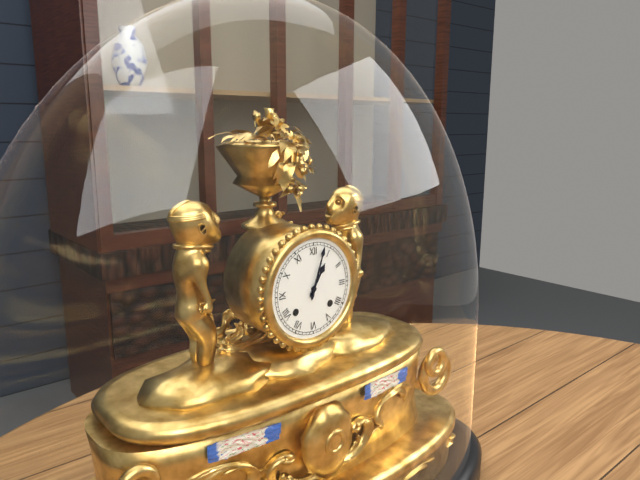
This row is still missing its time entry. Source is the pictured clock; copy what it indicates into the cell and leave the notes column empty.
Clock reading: 1:03
